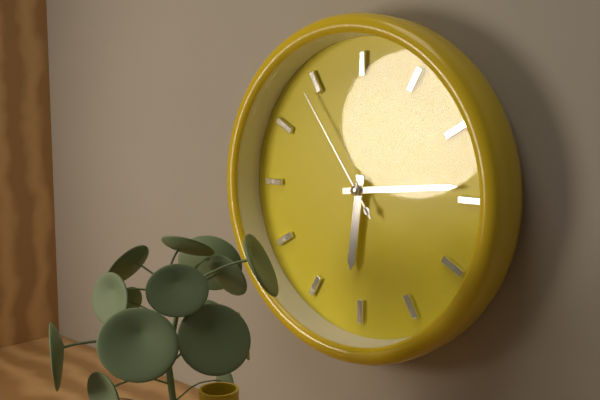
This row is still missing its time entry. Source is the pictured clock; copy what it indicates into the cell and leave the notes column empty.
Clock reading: 6:14:54
